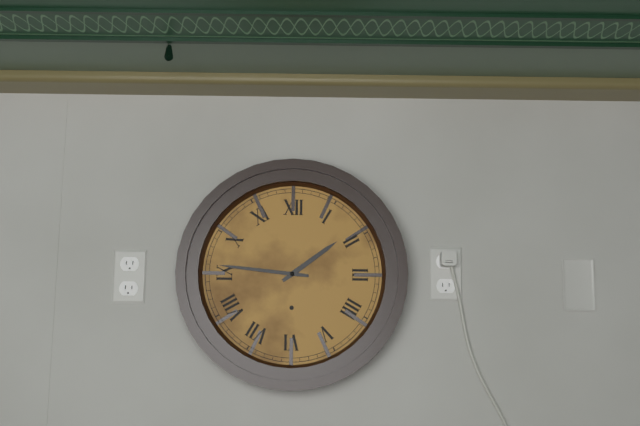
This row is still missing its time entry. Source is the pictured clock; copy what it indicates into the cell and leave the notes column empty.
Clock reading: 1:46
